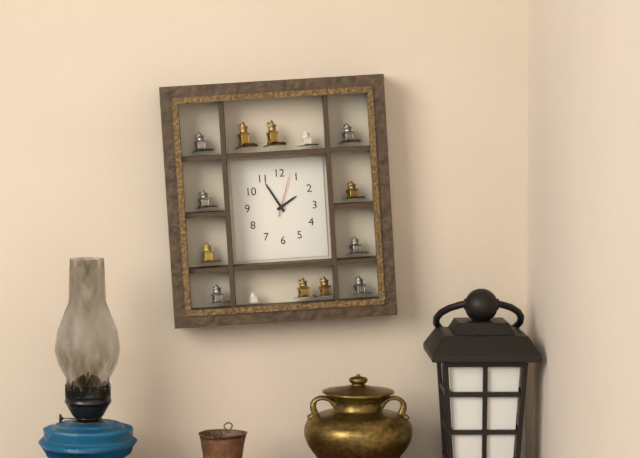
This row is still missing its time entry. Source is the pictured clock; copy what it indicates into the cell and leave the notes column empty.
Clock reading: 1:55
